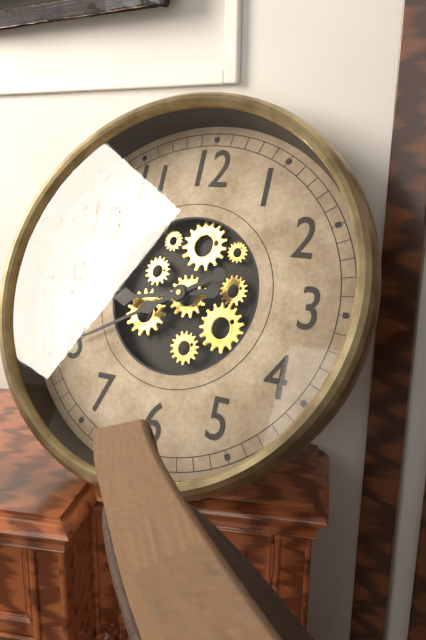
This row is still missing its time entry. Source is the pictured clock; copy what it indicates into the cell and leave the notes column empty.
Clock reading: 8:40
